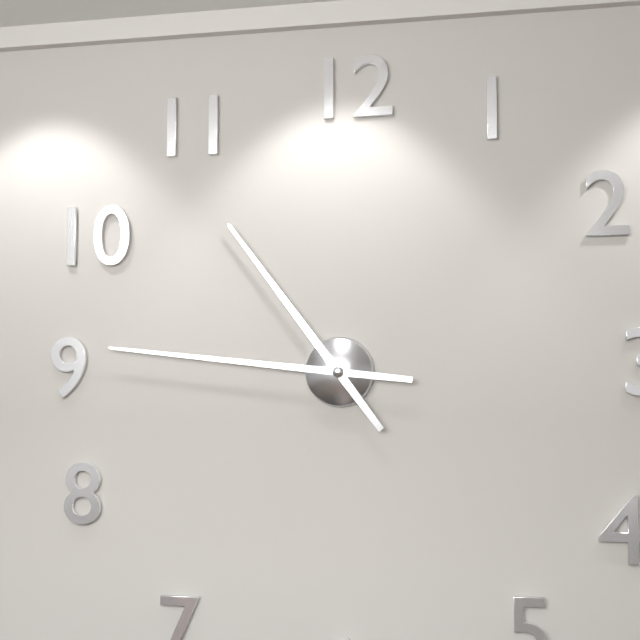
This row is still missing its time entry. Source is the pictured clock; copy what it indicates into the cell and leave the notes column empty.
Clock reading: 10:46
